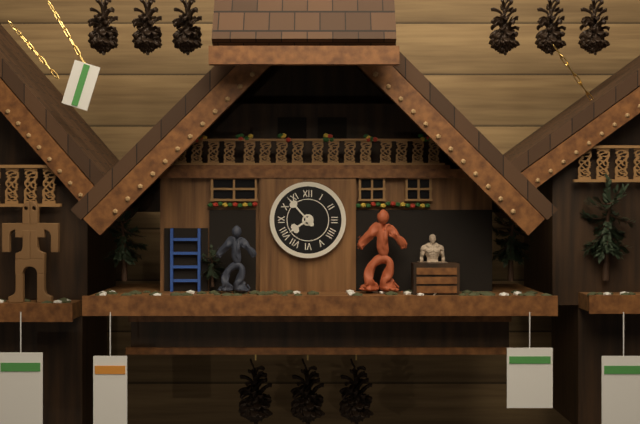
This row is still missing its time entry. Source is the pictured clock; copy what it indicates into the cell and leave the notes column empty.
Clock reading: 7:53
